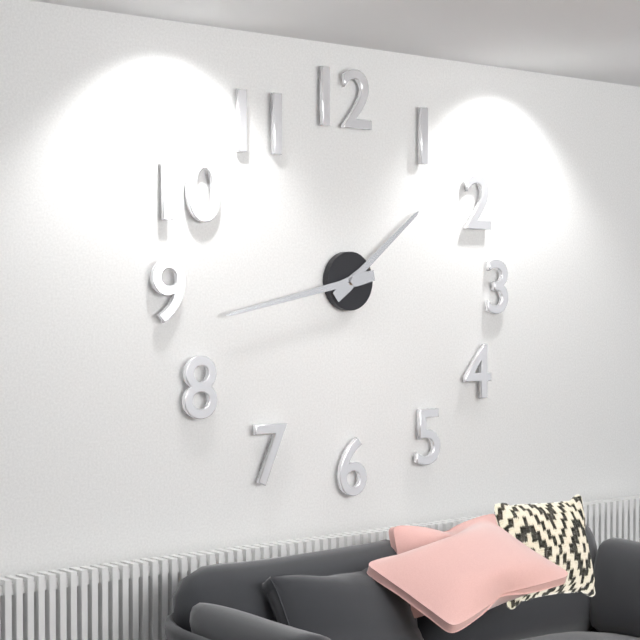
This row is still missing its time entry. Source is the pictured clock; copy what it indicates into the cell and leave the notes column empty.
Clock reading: 1:43
